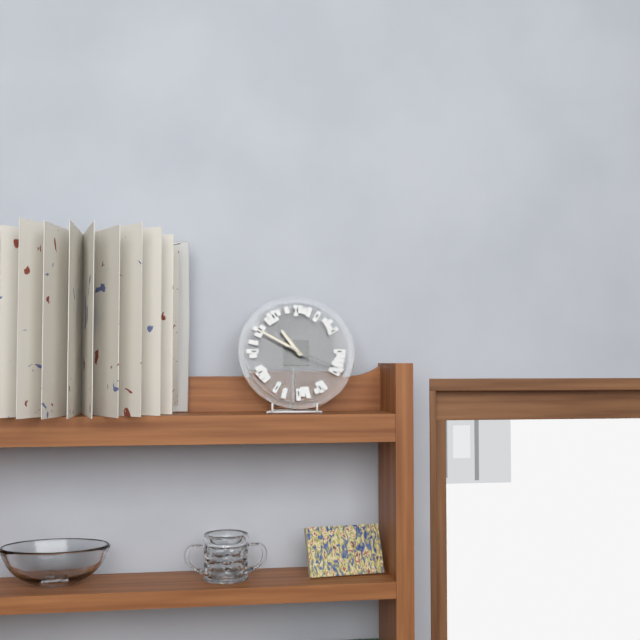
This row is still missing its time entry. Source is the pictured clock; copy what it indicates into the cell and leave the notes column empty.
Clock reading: 10:50:19
